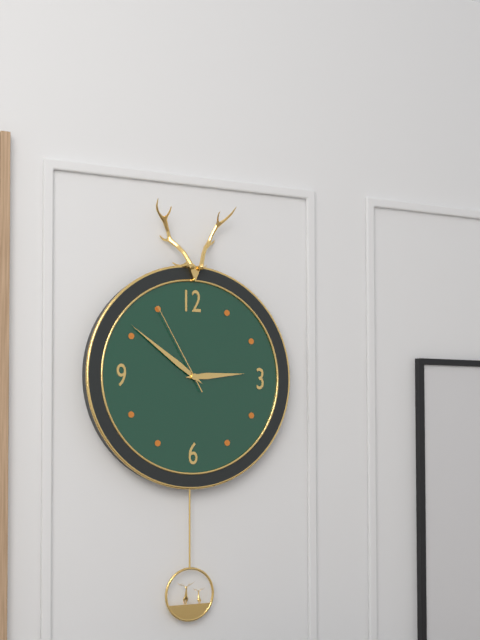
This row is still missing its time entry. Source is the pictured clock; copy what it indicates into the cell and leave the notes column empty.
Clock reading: 2:51:55
